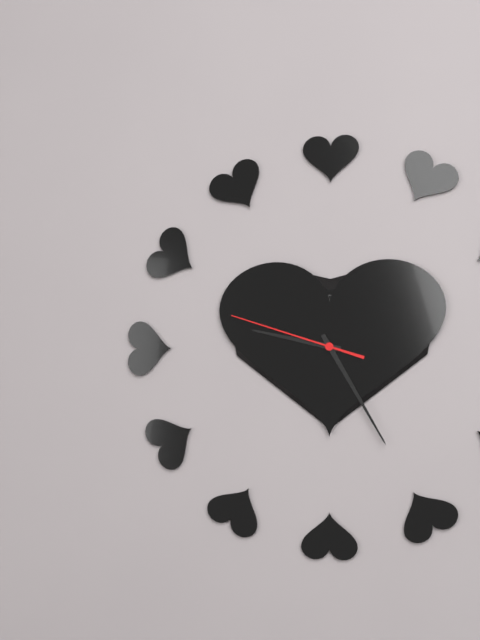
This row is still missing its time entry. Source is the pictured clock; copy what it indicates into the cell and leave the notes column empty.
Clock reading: 9:25:48
